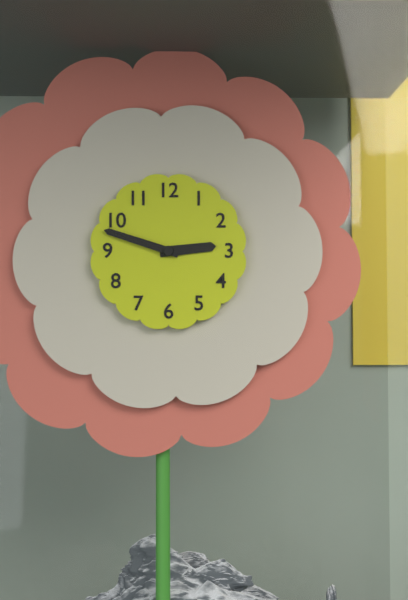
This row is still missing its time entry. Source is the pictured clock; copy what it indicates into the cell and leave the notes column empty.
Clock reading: 2:48
